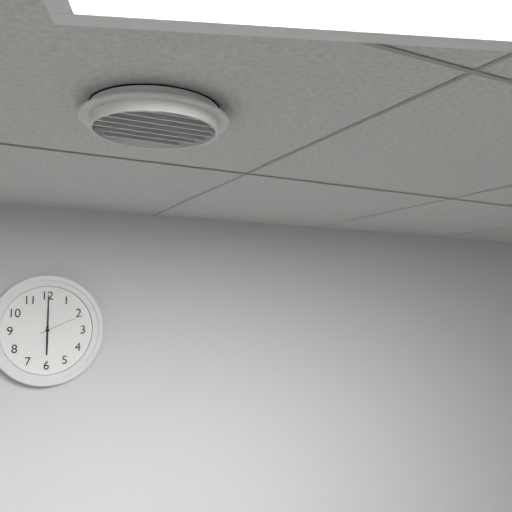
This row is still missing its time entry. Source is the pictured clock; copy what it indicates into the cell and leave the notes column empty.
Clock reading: 6:00
